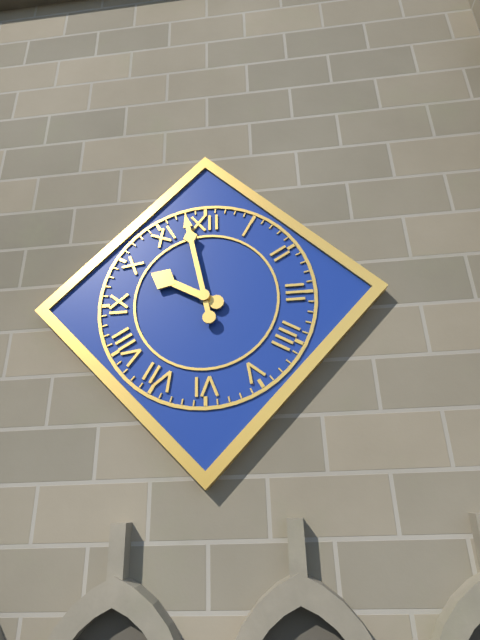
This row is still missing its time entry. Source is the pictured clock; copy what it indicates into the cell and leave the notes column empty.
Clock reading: 9:58
